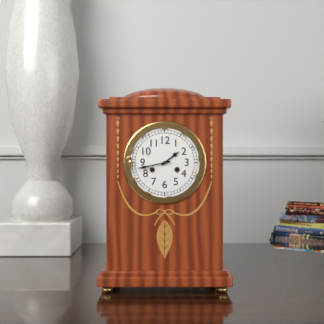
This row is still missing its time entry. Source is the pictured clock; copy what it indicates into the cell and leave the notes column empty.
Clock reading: 1:43
